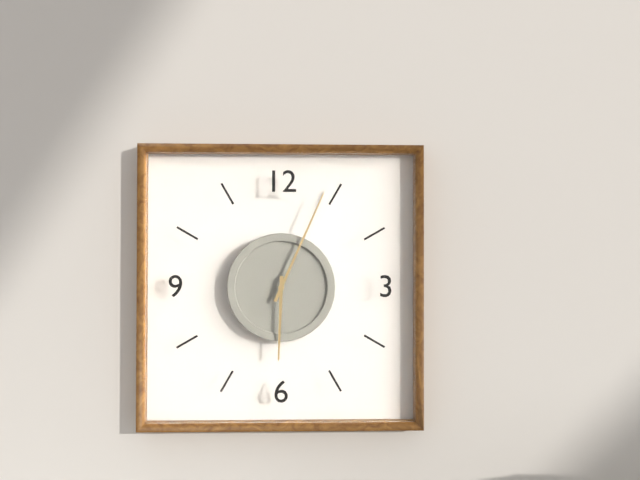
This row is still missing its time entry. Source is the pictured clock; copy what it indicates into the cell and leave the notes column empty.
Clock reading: 6:04
